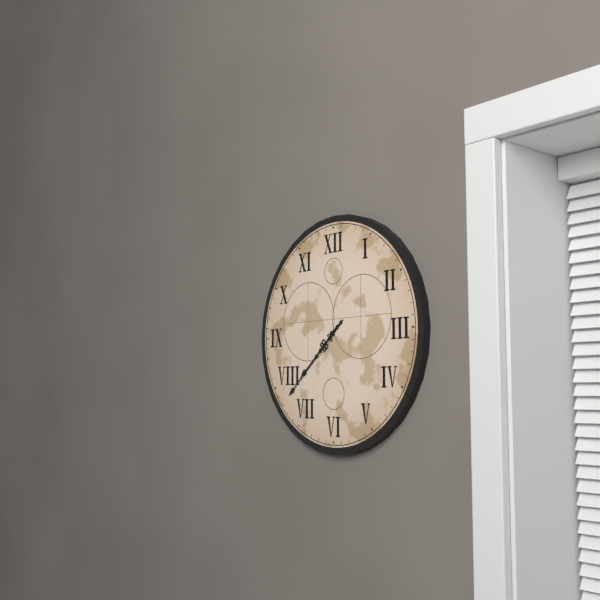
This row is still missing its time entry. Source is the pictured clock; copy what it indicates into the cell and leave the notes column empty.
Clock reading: 7:38
